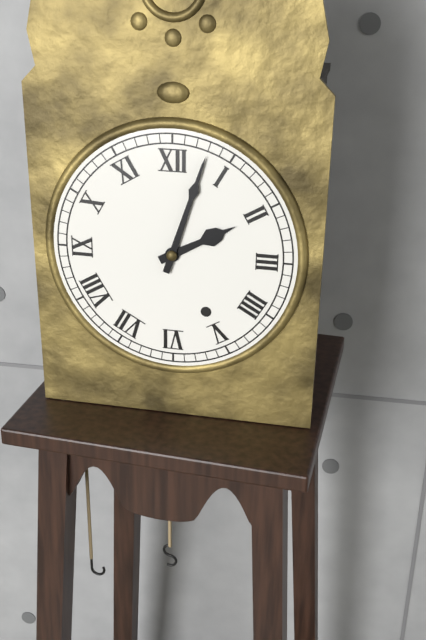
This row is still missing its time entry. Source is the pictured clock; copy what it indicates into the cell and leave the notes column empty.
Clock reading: 2:03
